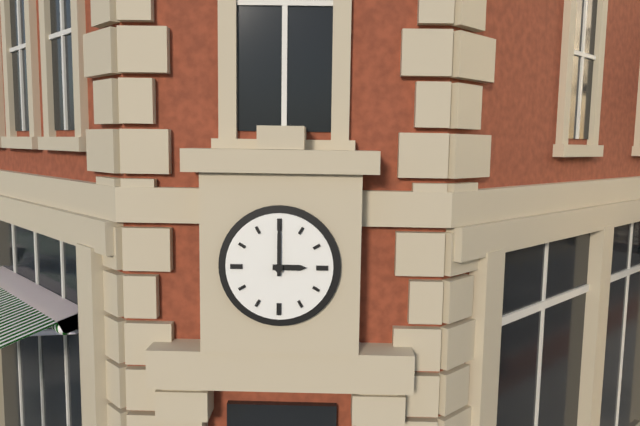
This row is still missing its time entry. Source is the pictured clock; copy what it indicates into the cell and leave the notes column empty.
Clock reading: 3:00
